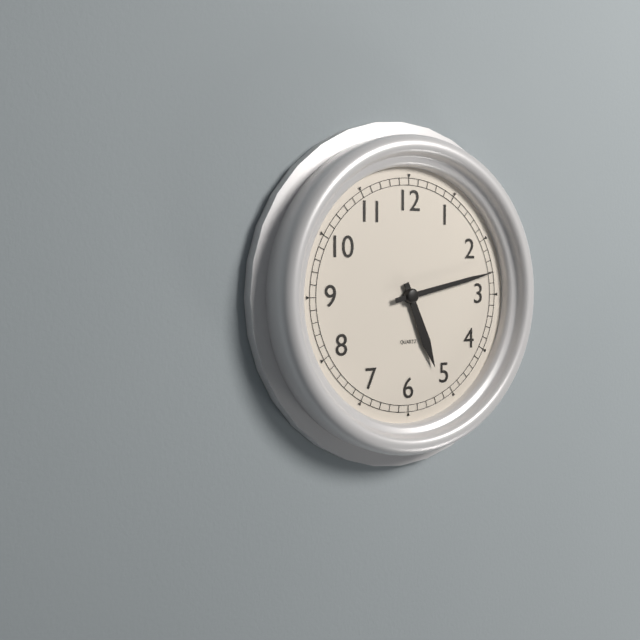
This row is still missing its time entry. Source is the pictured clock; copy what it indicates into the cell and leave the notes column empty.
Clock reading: 5:13
